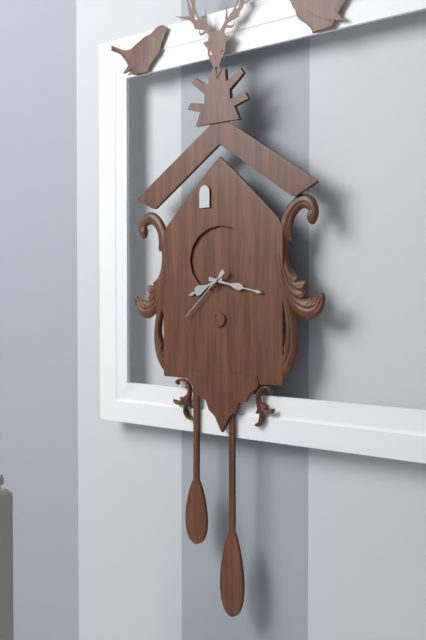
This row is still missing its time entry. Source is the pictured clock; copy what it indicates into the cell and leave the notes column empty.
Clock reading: 8:17:38
